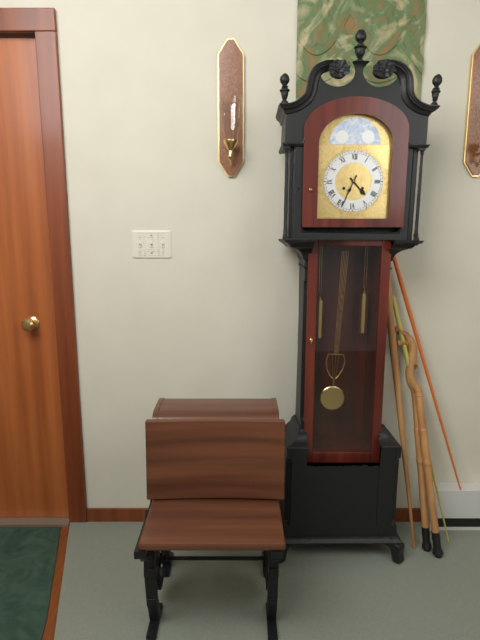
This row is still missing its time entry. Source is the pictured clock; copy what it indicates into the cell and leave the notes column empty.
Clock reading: 4:34
